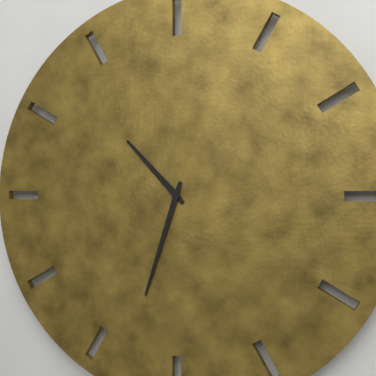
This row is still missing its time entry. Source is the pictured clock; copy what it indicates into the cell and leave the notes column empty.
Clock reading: 10:33
